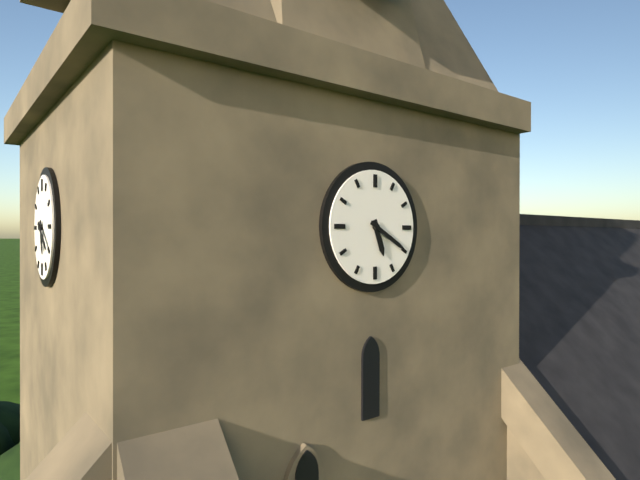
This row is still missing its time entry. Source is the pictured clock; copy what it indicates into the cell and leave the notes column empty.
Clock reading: 5:20
